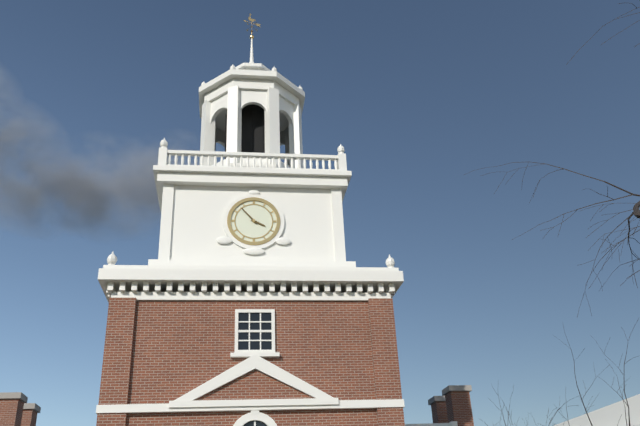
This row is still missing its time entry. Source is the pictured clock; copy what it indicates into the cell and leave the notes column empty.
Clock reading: 3:53
